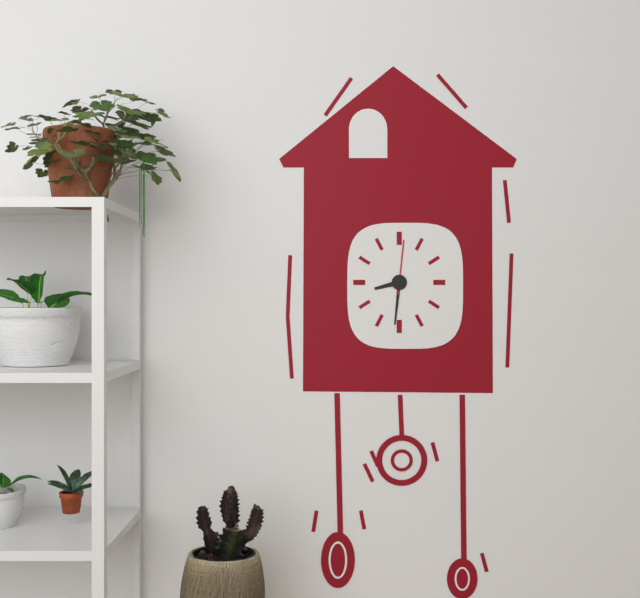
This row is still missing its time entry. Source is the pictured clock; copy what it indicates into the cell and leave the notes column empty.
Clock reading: 8:31:01
